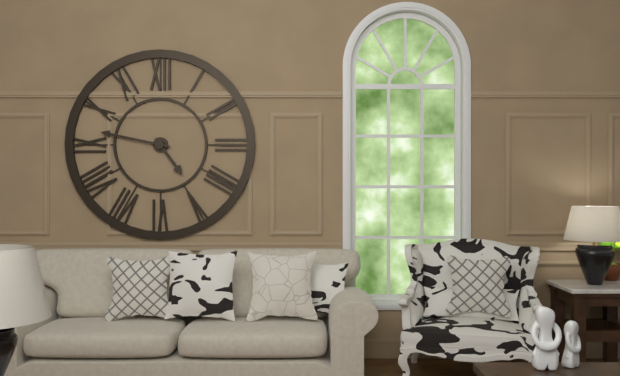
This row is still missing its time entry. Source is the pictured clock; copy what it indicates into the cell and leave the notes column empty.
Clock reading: 4:47
